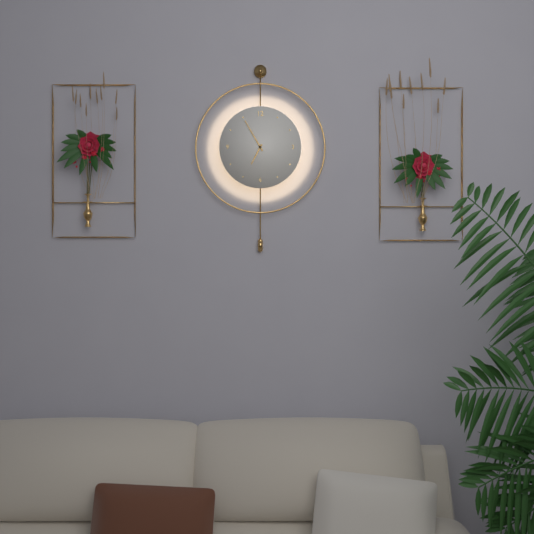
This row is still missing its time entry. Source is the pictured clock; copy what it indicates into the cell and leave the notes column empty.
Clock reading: 6:55
